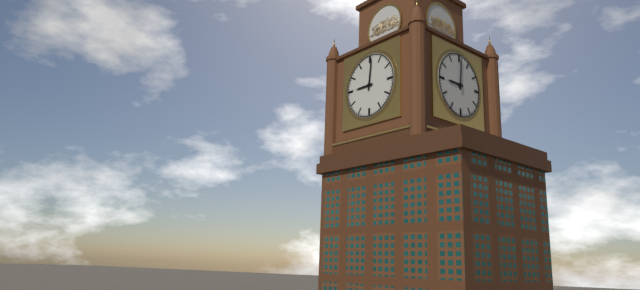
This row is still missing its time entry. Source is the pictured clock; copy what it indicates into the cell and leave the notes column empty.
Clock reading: 9:01
